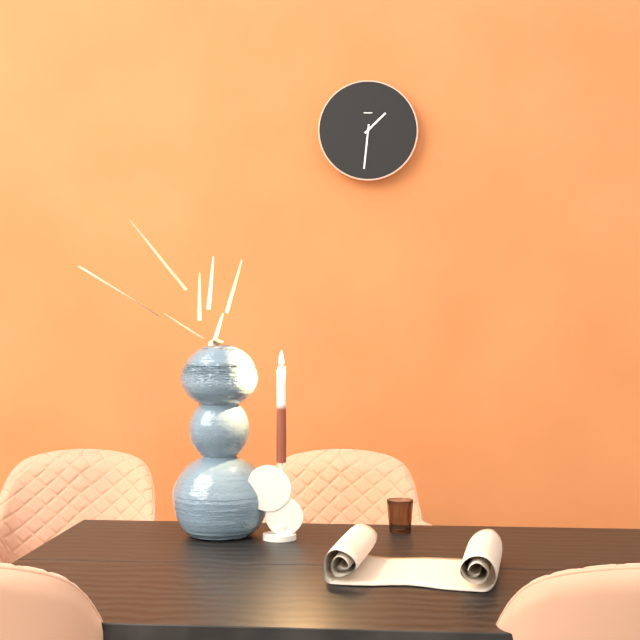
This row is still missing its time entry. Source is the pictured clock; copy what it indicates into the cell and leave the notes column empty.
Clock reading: 1:31
